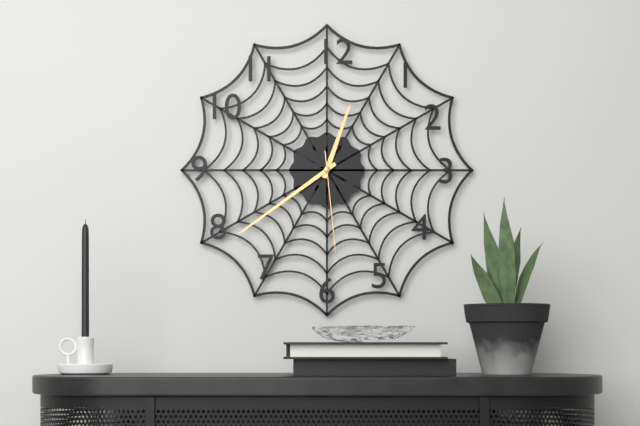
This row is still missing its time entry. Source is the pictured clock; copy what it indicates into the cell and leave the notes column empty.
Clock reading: 12:39:29
